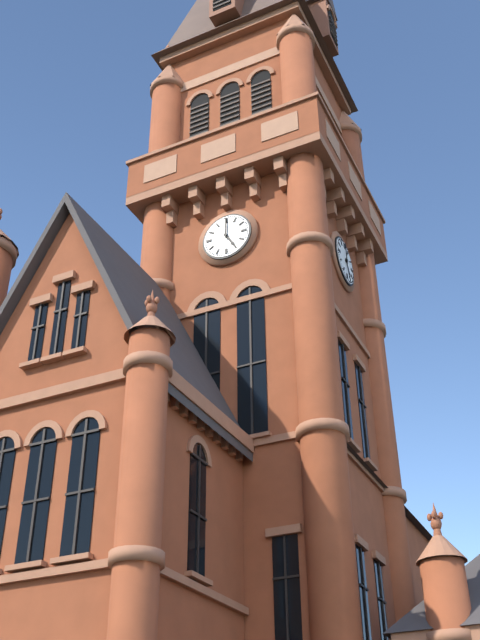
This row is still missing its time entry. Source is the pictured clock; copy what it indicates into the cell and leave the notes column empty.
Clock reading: 5:00
